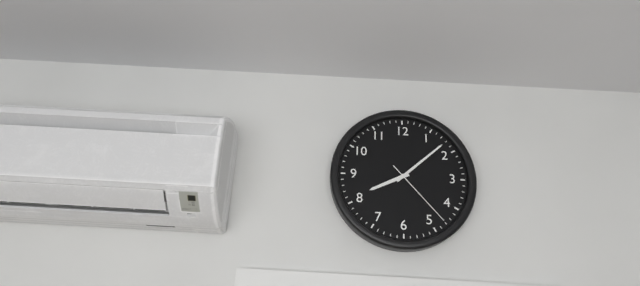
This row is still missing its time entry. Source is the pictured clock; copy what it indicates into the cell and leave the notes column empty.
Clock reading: 8:08:23
